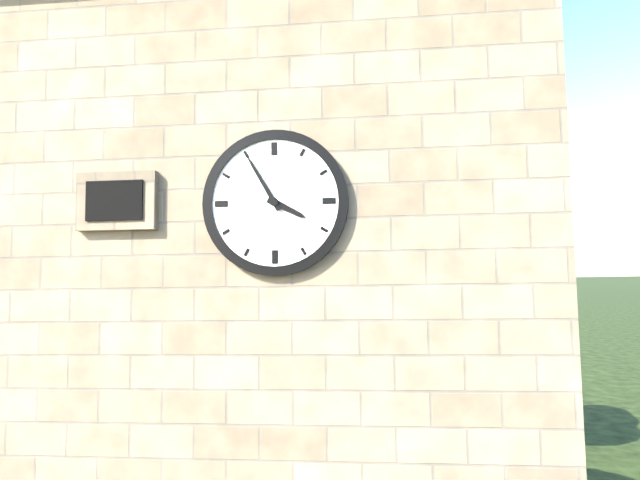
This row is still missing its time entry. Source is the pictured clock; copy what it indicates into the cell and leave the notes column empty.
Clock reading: 3:55
